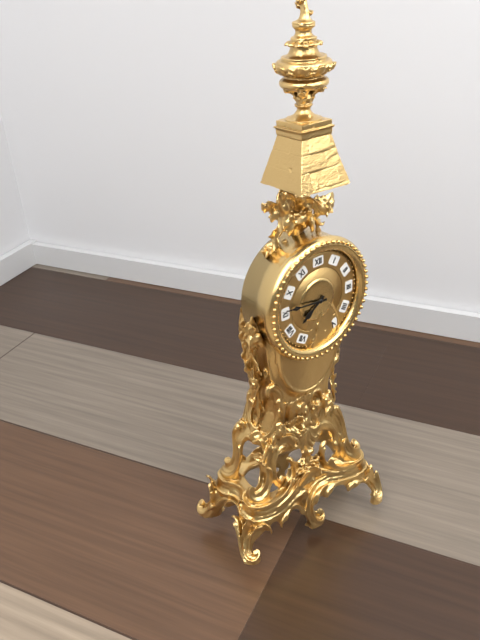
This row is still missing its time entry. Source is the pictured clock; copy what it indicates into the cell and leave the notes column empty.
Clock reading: 7:46
